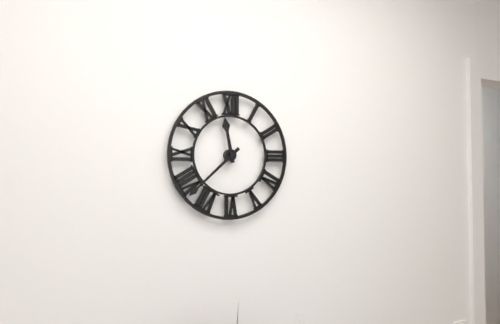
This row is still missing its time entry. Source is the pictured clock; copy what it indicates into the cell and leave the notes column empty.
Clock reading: 11:38
